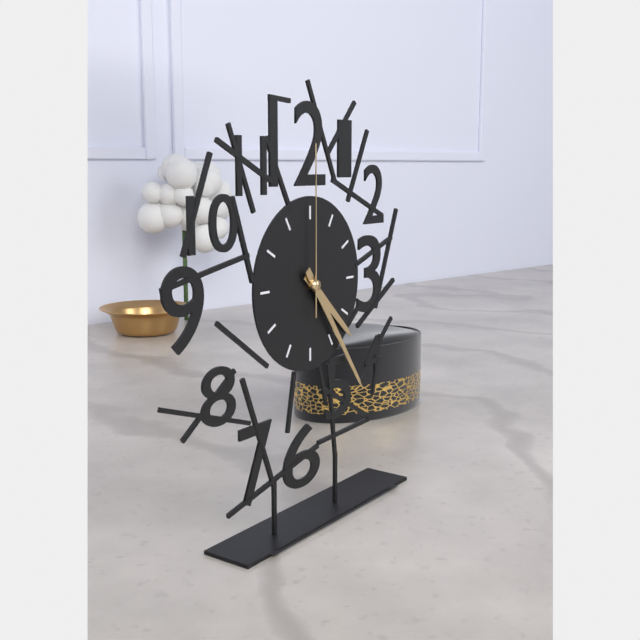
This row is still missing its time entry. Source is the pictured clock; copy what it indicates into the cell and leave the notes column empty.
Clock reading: 4:24:00
